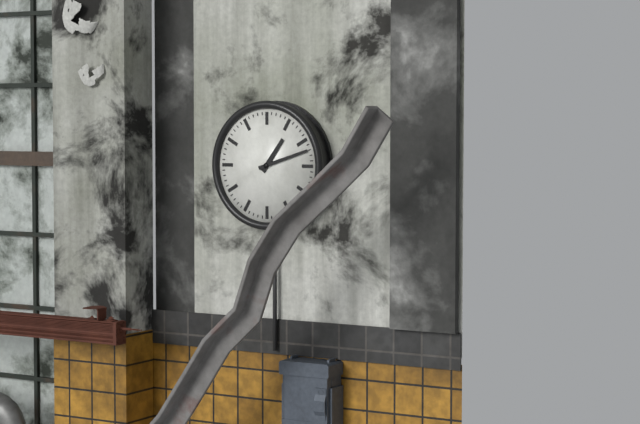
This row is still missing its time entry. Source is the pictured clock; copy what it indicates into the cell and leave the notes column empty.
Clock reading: 1:12
